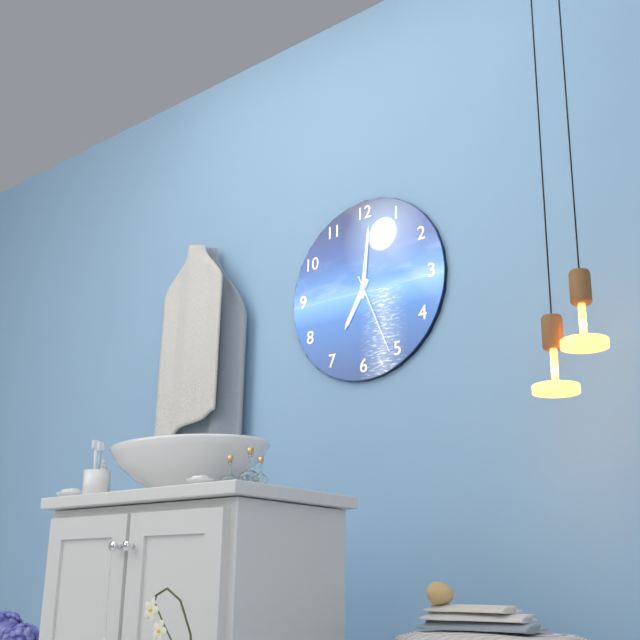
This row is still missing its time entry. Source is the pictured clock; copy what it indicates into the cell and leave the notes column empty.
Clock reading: 7:01:26
